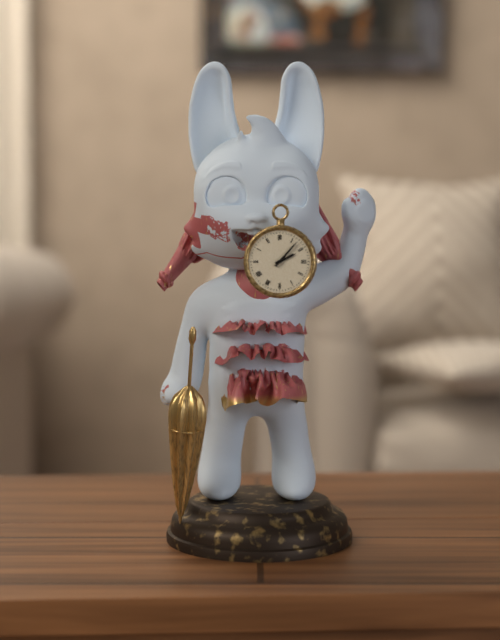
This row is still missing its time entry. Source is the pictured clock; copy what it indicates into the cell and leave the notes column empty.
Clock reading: 2:07
